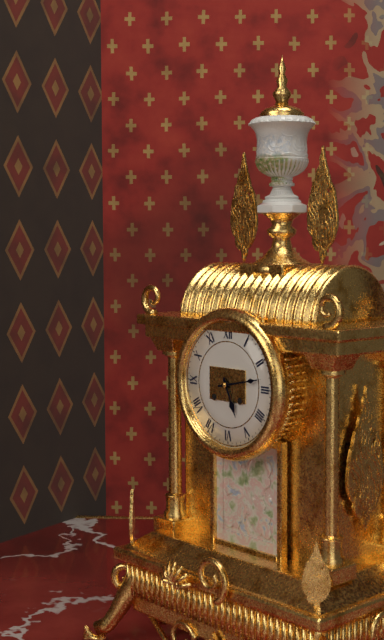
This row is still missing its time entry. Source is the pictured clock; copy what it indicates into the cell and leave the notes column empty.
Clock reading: 5:13
